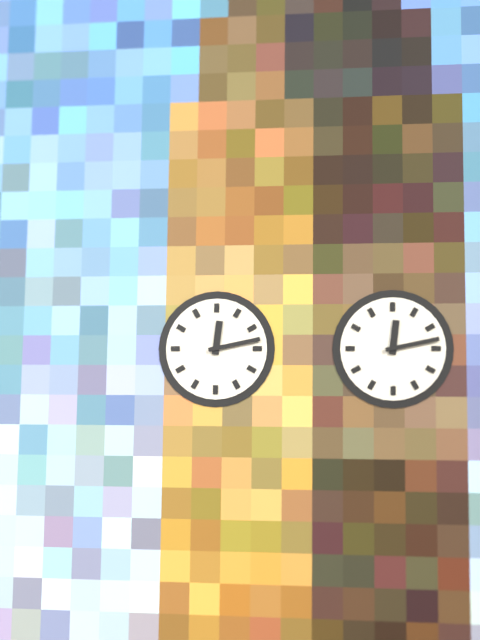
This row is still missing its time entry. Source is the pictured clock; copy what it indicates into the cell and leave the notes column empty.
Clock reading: 12:13
